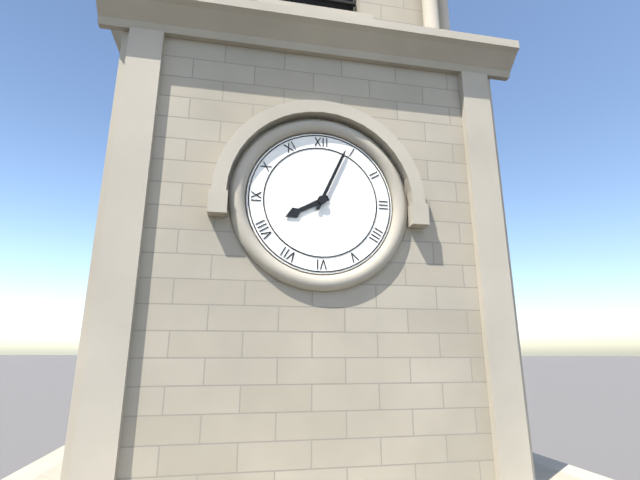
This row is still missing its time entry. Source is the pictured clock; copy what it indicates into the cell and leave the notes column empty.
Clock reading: 8:04
